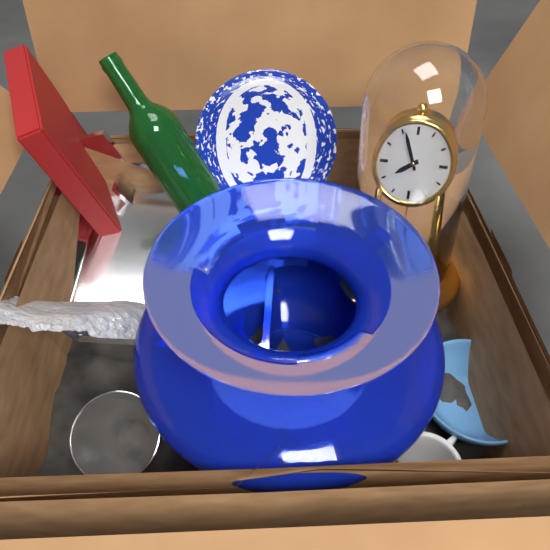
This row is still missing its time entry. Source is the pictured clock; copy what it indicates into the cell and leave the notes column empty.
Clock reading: 7:56
